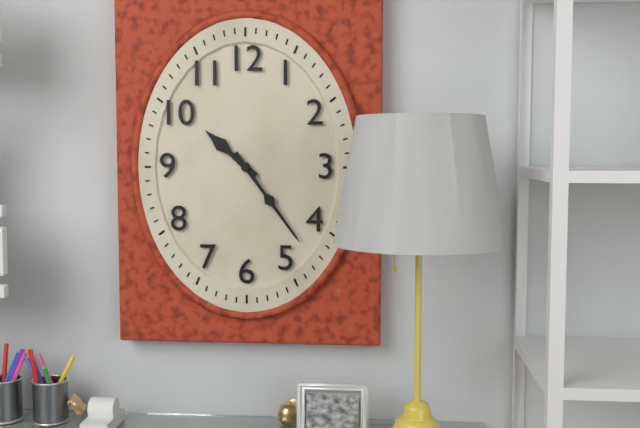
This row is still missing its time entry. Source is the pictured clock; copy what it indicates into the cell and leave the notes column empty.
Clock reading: 10:24
